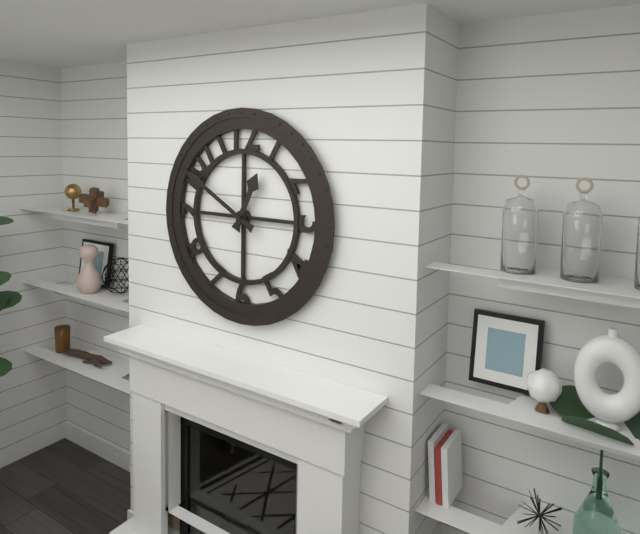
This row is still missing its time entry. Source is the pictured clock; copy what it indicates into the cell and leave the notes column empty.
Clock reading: 12:50
